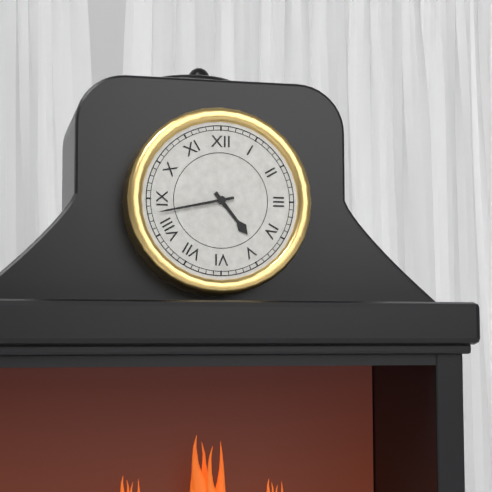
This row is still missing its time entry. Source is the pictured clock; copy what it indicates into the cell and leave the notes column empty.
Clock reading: 4:43
